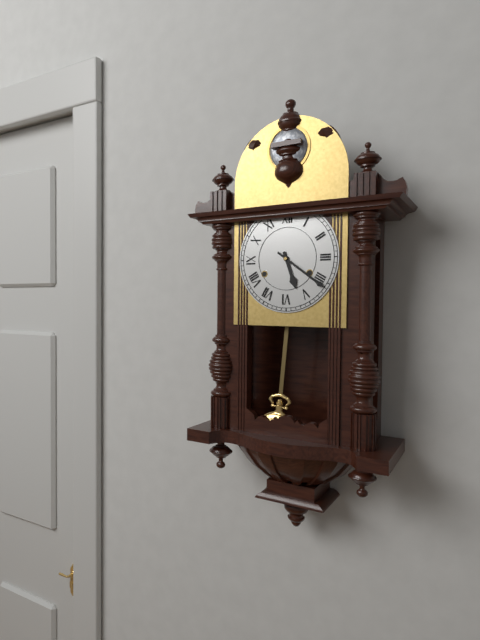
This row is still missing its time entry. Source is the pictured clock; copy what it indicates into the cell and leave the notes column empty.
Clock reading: 5:21
